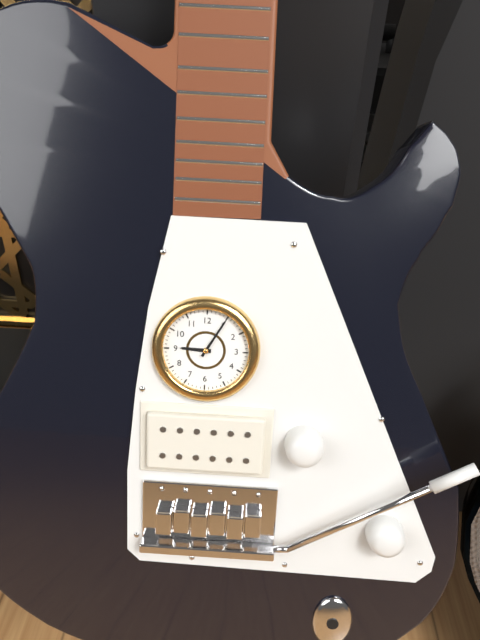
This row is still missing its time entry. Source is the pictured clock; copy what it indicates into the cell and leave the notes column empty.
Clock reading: 9:05
